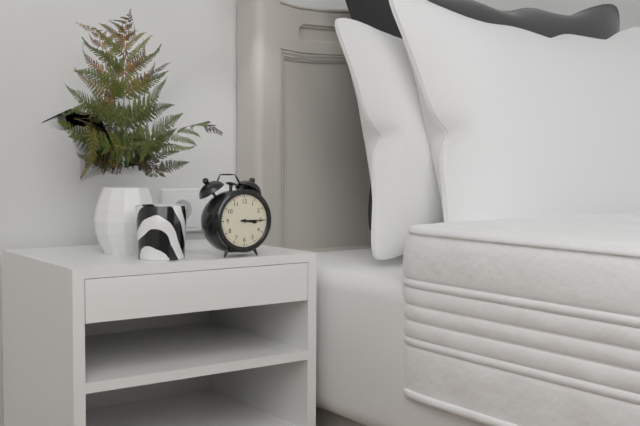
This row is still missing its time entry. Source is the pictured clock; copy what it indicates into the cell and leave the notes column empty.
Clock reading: 3:15
